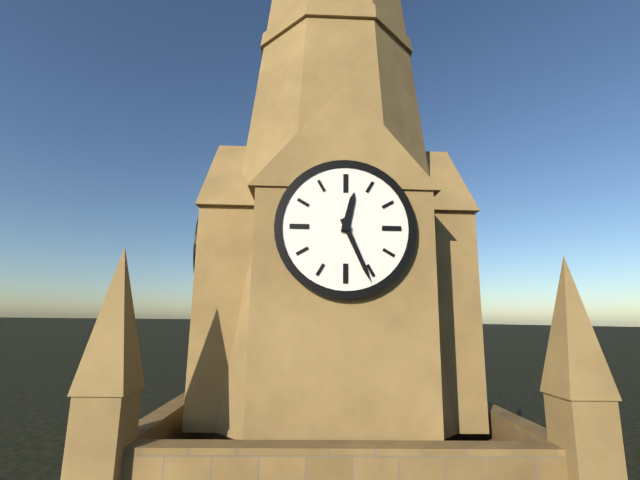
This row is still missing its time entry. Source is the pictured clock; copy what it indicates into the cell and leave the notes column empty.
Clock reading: 12:26
